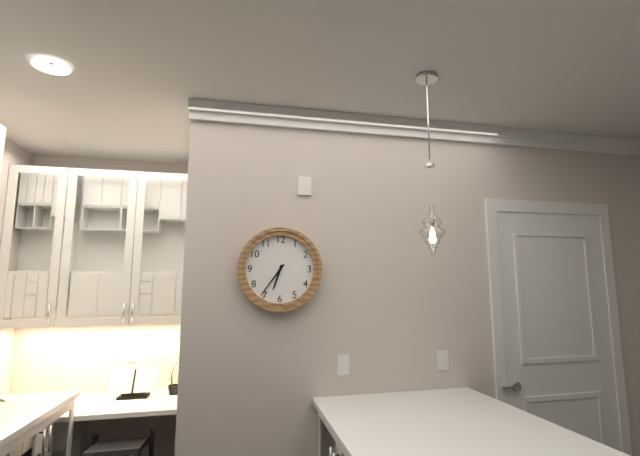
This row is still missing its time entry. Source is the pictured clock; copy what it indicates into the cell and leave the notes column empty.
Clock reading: 6:36
